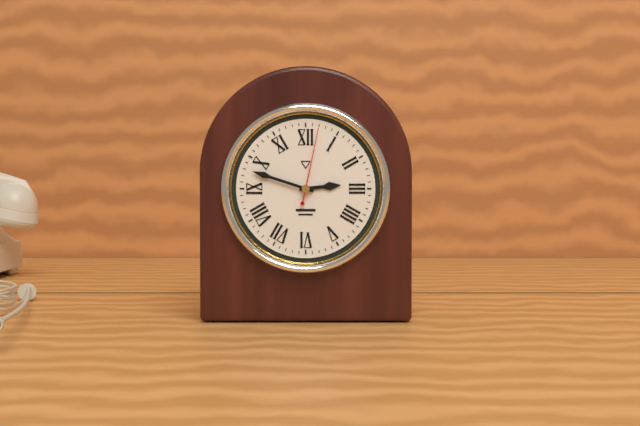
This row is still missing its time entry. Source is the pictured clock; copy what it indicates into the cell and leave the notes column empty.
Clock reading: 2:48:02
